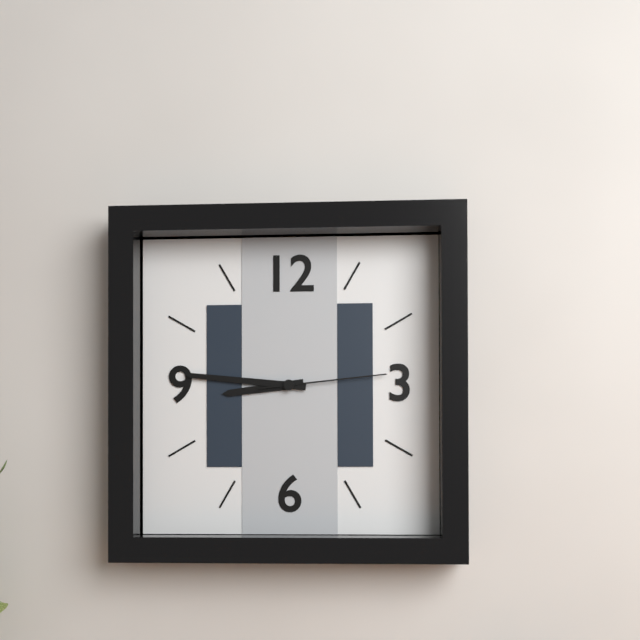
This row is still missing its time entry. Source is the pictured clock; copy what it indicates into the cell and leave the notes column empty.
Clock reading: 8:46:14
